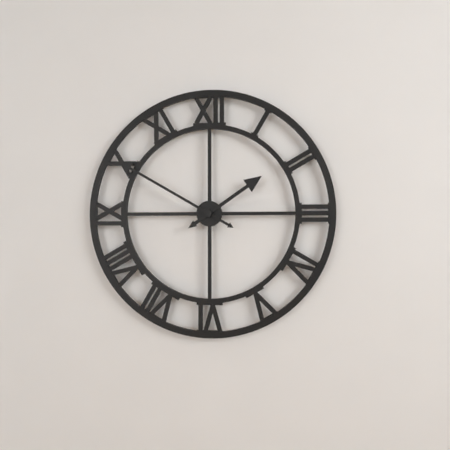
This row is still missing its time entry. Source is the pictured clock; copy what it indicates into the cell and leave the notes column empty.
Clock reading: 1:50
